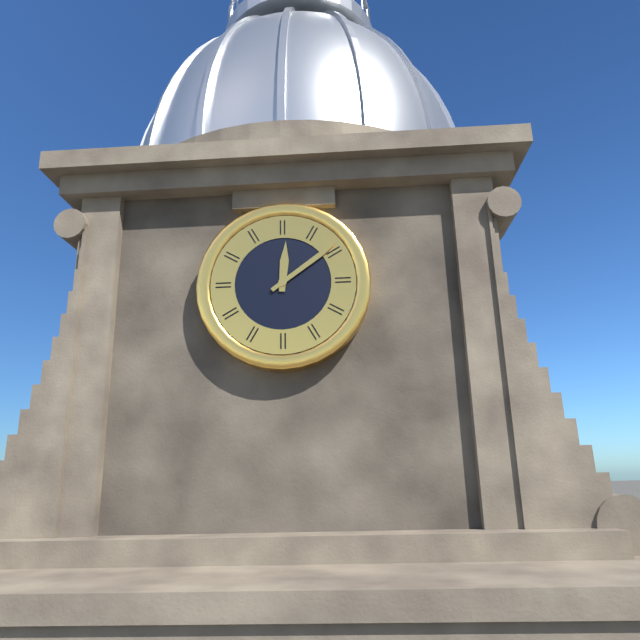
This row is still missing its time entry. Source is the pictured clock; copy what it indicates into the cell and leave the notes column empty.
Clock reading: 12:09
